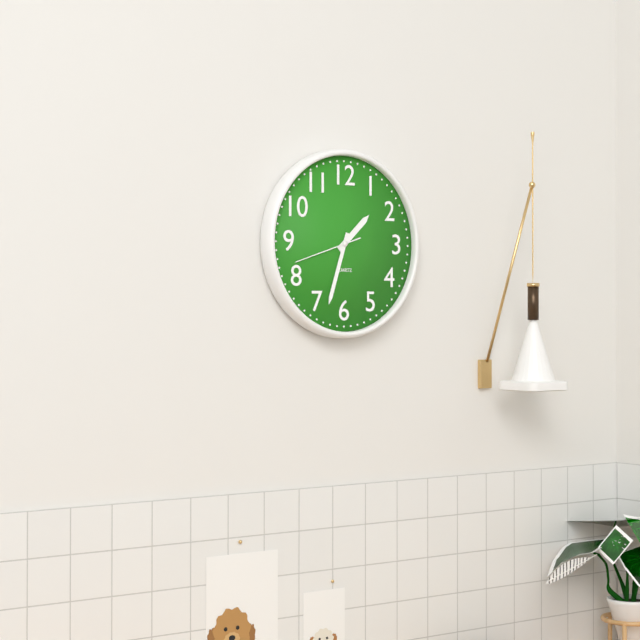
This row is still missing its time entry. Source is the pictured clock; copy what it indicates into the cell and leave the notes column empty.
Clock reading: 1:33:42
